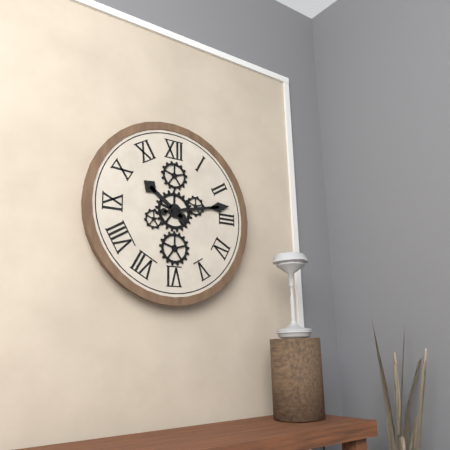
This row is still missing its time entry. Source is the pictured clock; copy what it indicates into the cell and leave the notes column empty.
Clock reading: 10:13
